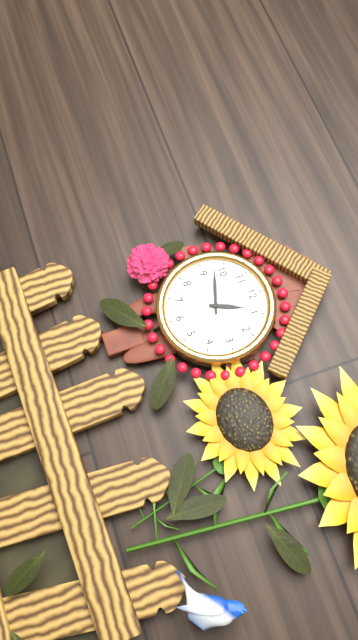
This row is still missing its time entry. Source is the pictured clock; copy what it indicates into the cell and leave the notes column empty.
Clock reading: 12:48
